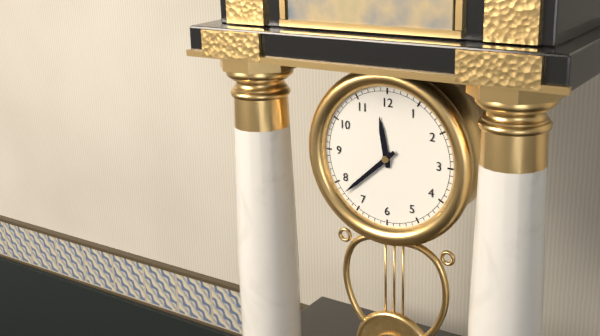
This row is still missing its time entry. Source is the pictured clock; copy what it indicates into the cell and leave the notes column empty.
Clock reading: 11:38
